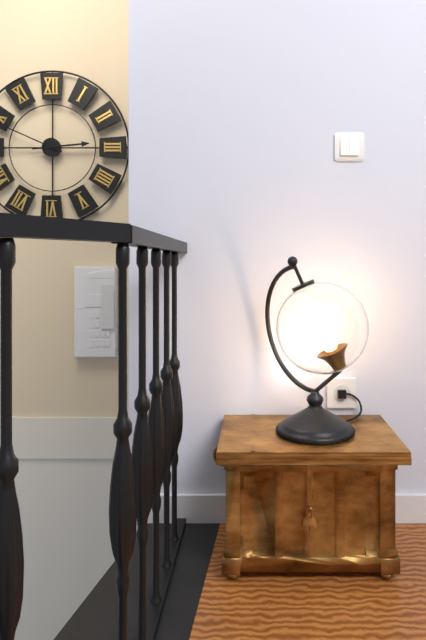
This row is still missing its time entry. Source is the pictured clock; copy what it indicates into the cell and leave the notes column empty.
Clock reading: 2:49
